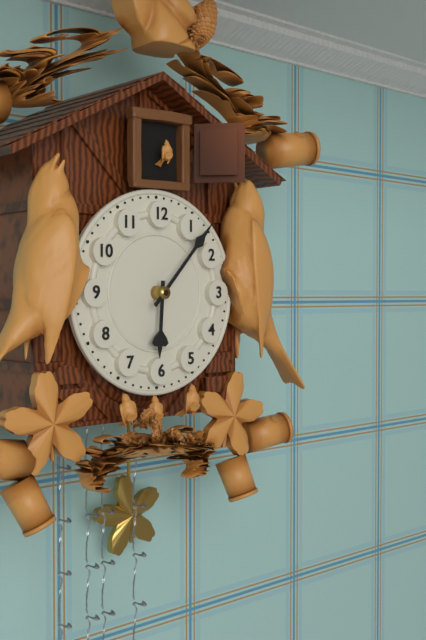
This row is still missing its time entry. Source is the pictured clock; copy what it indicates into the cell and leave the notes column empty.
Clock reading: 6:07
